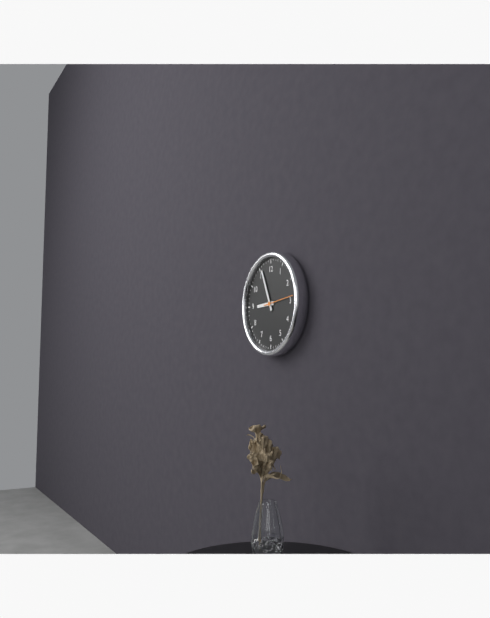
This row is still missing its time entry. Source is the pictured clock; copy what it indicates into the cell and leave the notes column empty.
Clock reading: 8:56
